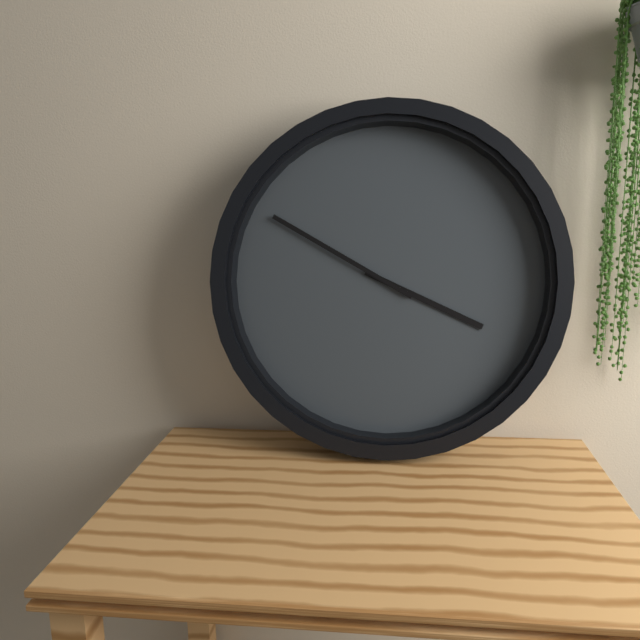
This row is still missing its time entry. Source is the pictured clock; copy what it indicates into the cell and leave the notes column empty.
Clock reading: 3:50
